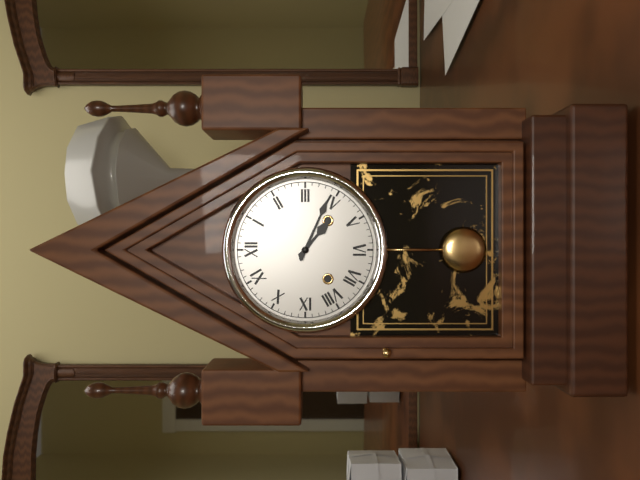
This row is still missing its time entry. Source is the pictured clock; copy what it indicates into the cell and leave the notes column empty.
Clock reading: 4:19
